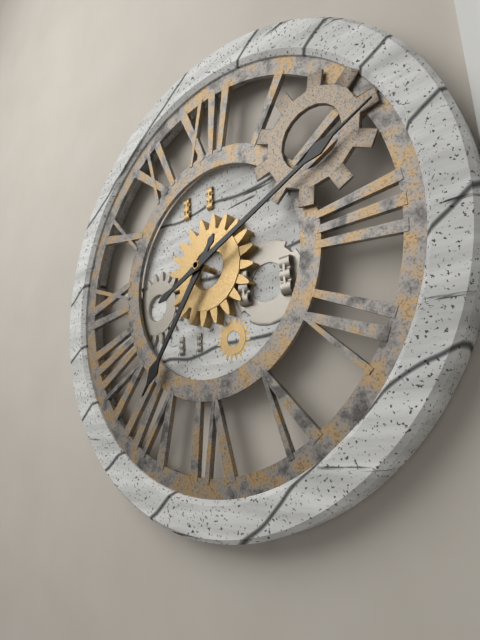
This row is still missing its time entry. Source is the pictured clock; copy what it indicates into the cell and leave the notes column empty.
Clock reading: 7:11
